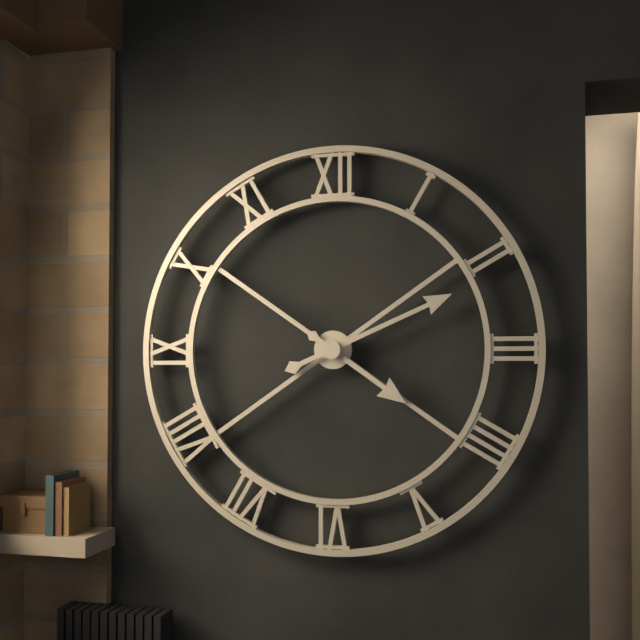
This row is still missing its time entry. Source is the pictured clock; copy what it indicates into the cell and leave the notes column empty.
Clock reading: 4:11
